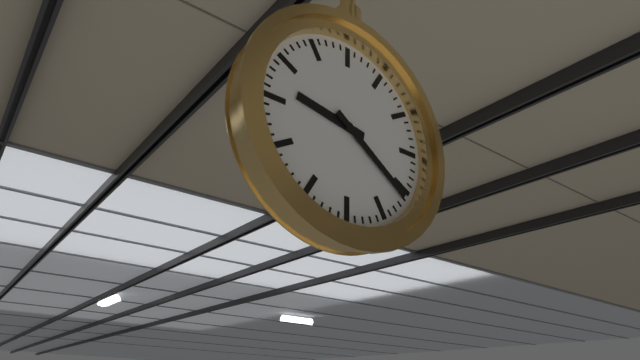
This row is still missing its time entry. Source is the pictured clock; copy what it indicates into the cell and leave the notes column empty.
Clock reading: 9:21
